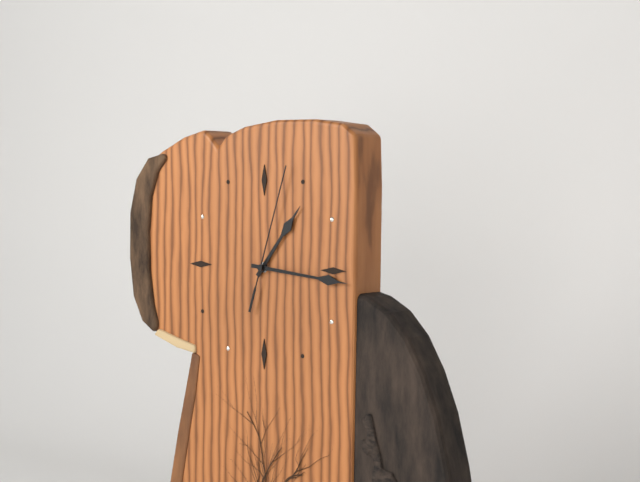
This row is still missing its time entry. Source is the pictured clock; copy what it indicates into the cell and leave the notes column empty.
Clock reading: 1:16:03
